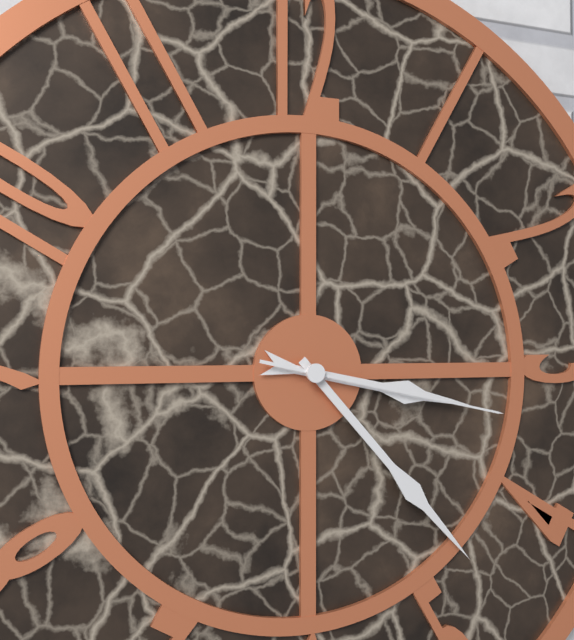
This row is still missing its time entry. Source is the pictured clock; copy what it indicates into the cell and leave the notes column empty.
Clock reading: 3:23:17
